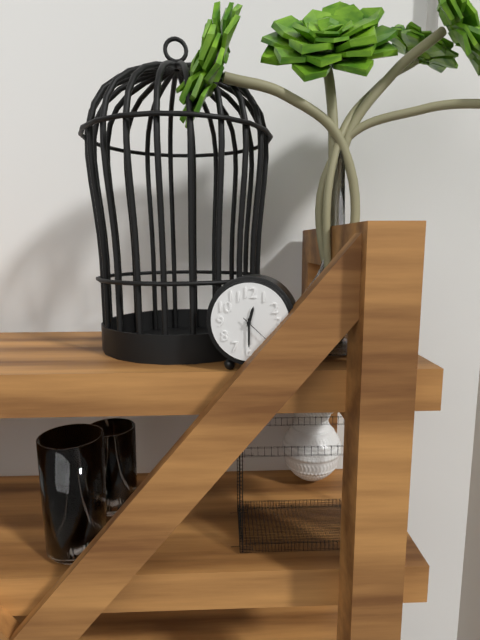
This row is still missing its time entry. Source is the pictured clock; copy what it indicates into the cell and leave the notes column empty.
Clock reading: 12:30
